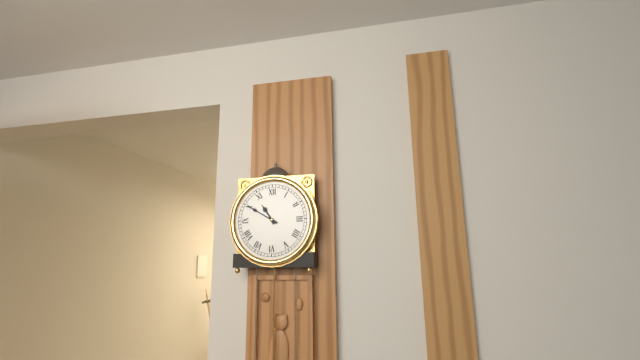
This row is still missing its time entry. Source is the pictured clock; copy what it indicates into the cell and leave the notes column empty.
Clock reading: 10:50
